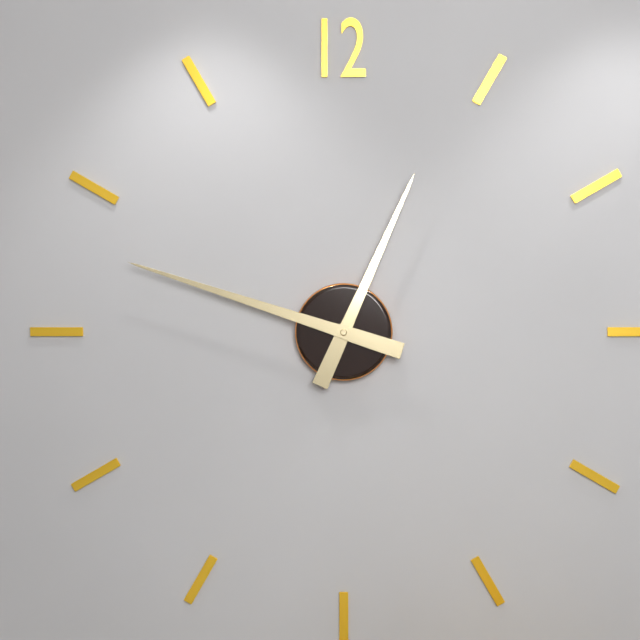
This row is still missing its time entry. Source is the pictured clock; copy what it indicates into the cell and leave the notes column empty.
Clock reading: 12:48
